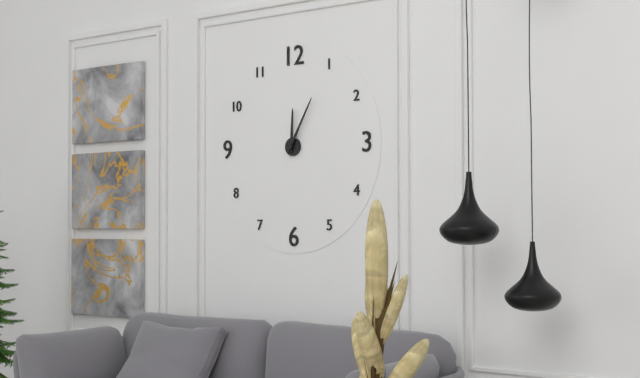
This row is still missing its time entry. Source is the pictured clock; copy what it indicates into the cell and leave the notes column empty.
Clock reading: 12:05
